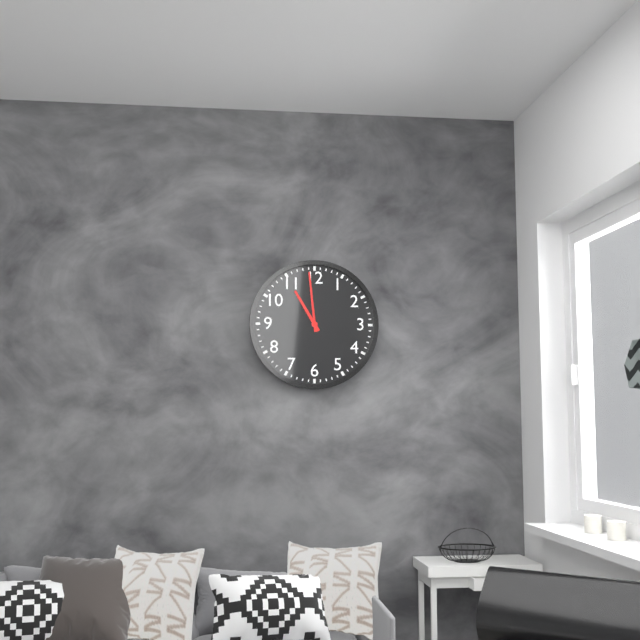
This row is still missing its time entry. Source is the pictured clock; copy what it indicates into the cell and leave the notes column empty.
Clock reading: 10:59
